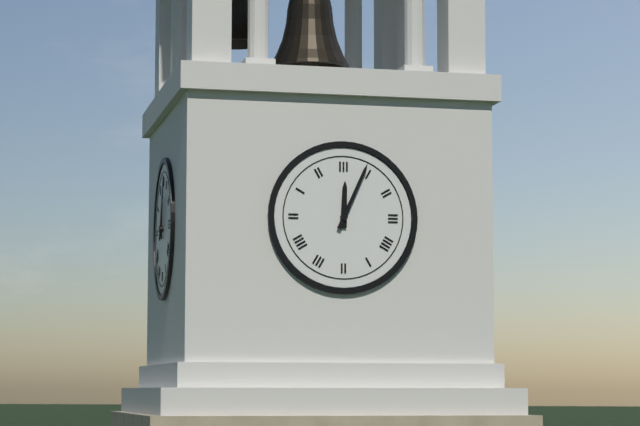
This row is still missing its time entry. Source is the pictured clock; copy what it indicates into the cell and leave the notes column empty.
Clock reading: 12:04
